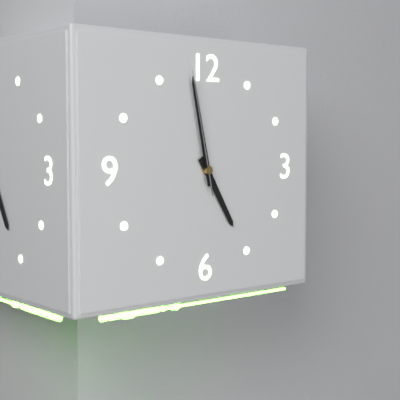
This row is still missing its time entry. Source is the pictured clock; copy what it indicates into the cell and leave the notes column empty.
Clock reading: 4:58:58
